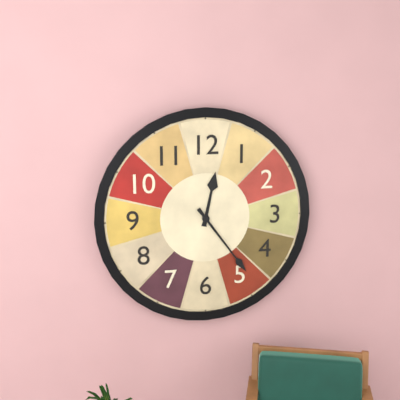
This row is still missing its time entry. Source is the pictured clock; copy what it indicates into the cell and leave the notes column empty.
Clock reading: 12:24
